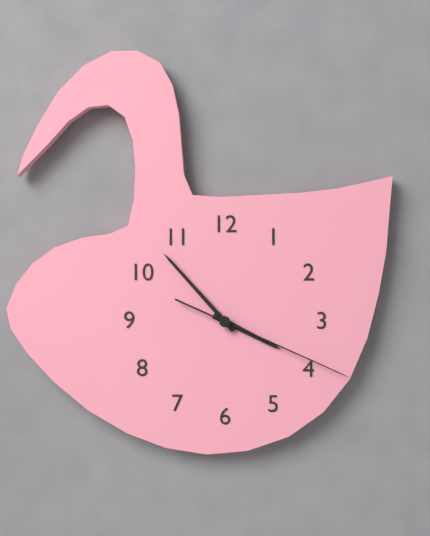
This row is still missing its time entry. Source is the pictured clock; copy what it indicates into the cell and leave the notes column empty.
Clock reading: 3:53:19
